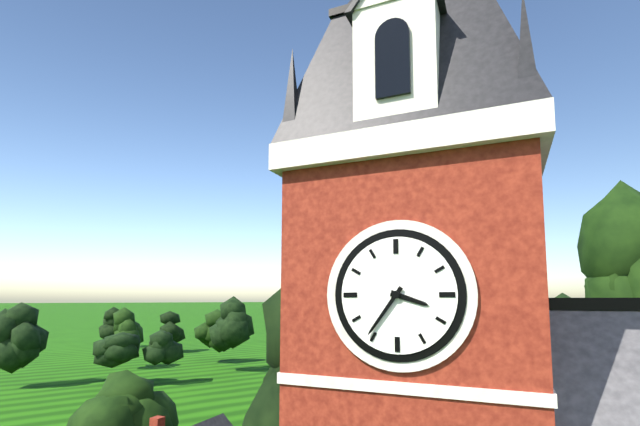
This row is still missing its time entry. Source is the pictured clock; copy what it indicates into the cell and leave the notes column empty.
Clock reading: 3:36
